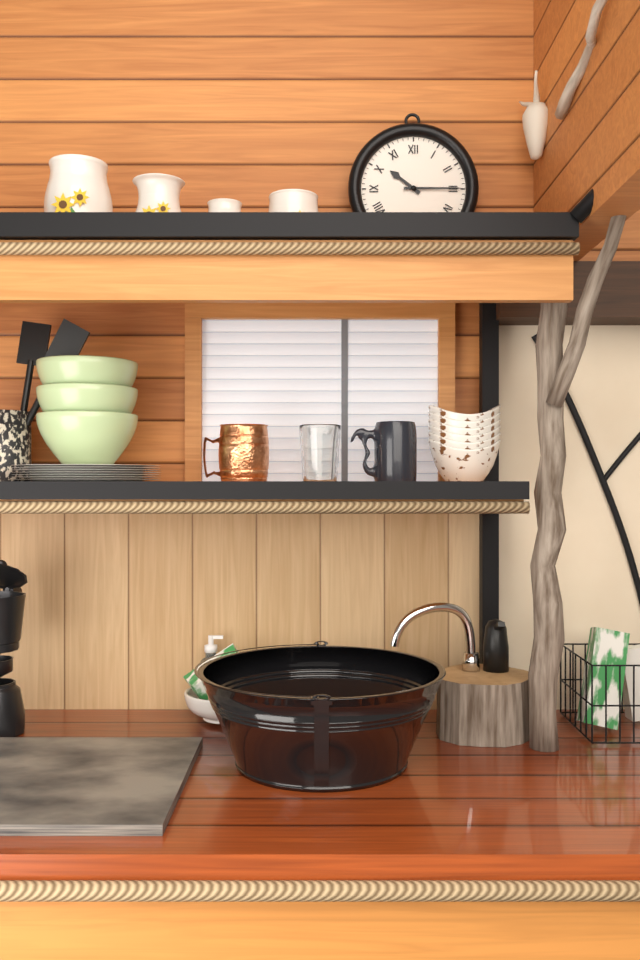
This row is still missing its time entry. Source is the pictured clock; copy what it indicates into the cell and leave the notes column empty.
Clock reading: 10:15
